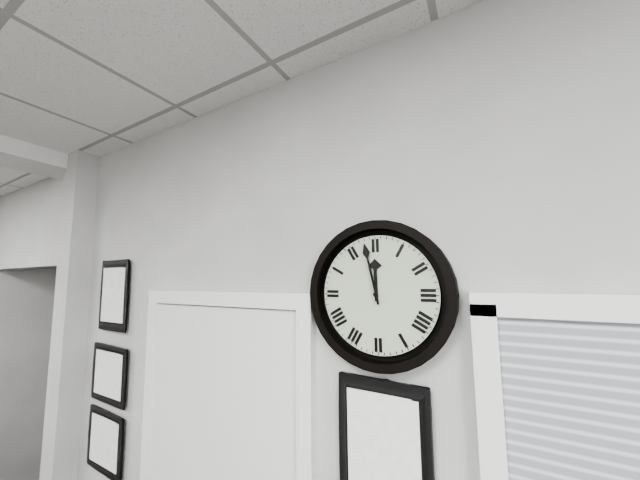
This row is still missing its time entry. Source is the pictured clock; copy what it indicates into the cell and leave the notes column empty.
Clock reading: 11:58
